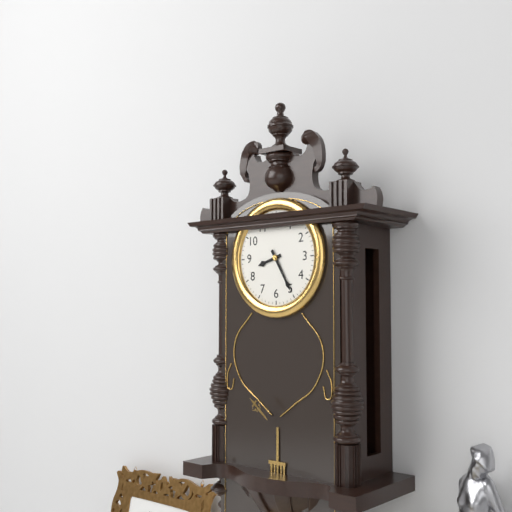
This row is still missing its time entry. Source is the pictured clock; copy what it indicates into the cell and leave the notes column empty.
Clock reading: 8:25
